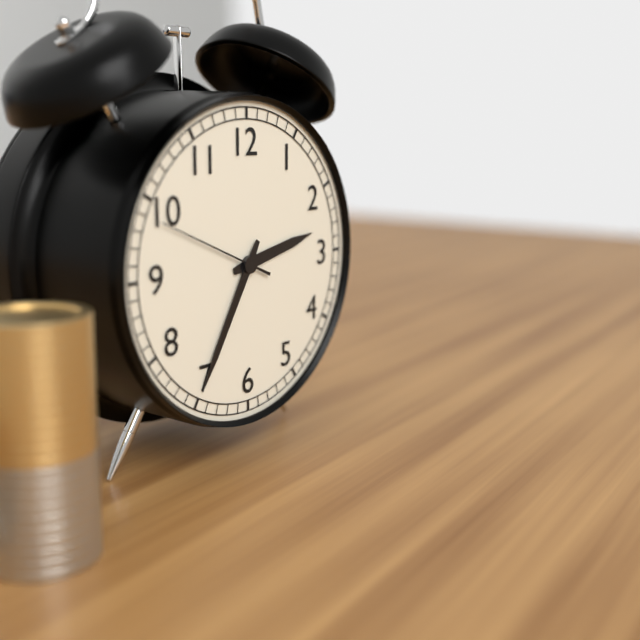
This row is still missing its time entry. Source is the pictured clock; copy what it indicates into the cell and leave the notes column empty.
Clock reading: 2:35:49
